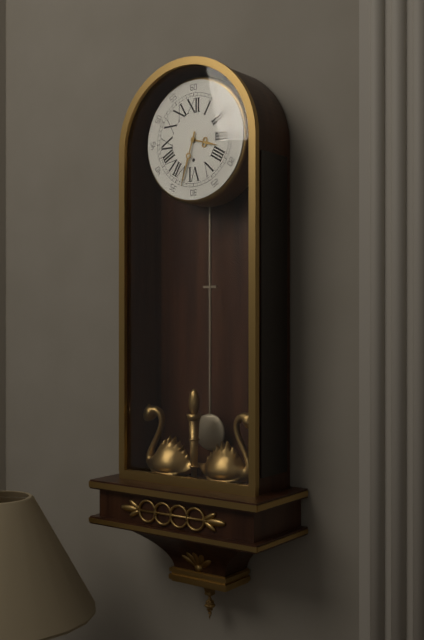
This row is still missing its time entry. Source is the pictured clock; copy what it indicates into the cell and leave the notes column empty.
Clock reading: 3:33
